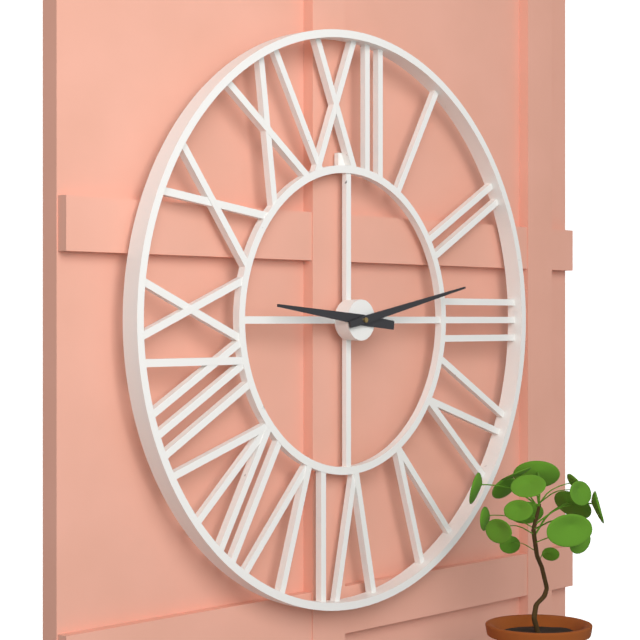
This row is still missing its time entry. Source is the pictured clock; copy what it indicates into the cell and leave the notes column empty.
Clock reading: 9:13
